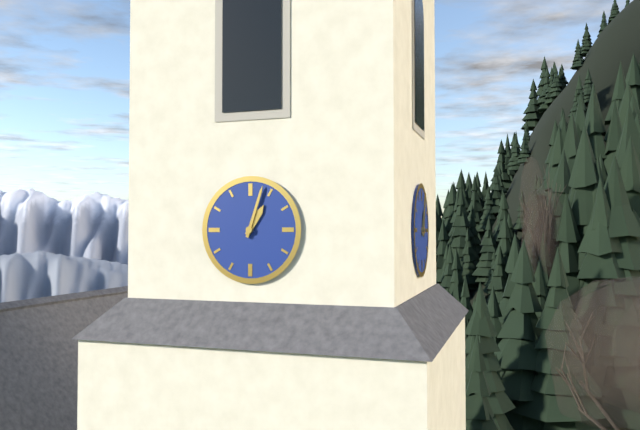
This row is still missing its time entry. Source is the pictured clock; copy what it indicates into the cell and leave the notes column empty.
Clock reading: 1:03
